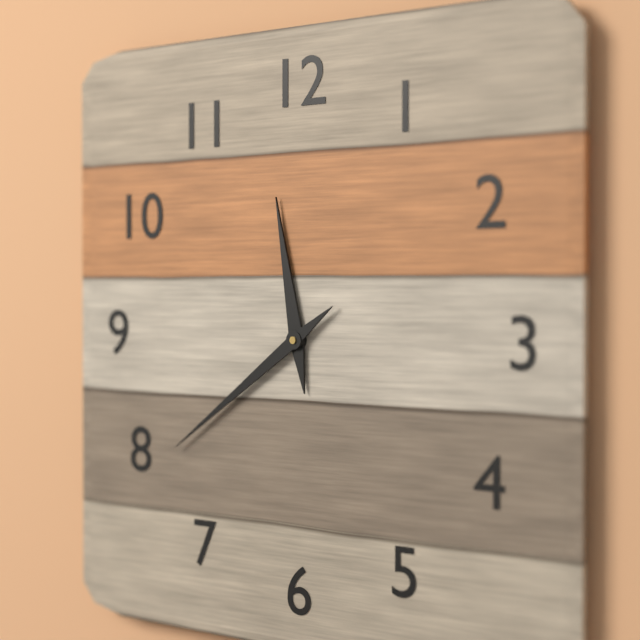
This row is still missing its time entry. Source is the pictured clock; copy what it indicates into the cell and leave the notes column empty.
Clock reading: 11:39
